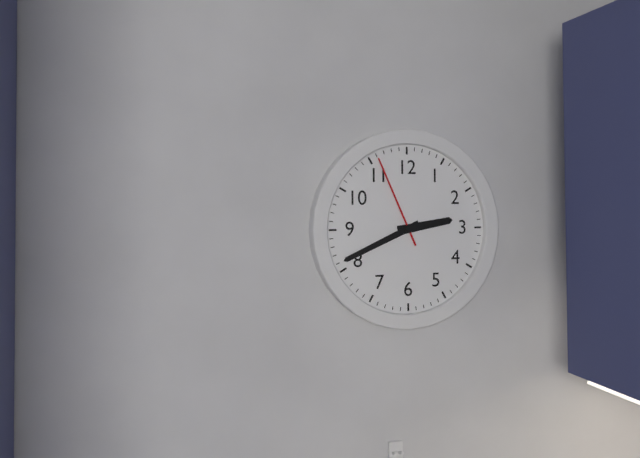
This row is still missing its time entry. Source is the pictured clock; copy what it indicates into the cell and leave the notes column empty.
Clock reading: 2:41:56
